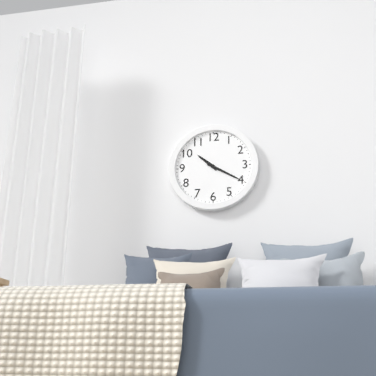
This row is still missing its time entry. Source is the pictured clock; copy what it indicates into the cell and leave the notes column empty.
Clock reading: 10:20
